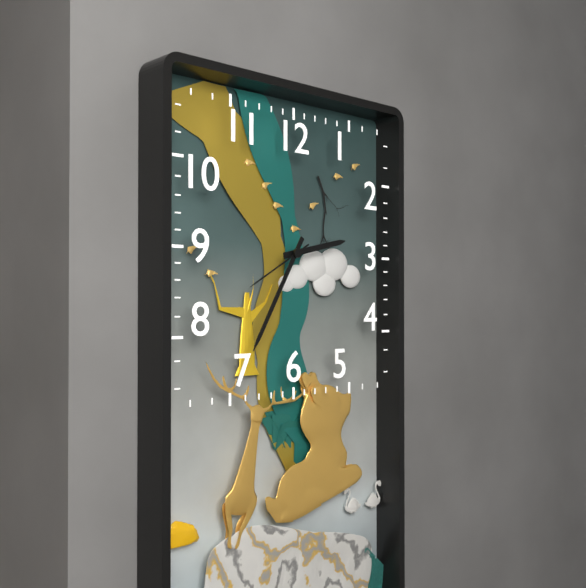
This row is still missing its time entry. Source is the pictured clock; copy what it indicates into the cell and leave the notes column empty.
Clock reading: 2:35:40
